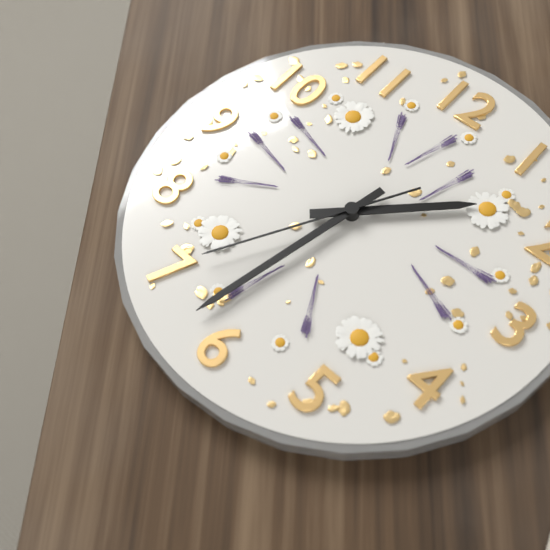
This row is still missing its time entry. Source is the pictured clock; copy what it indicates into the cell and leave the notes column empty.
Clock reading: 1:32:35
